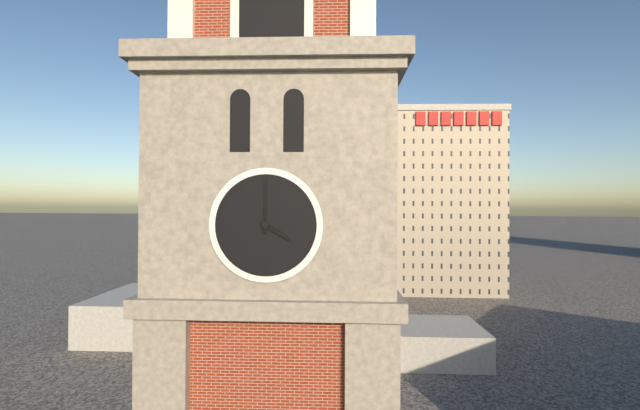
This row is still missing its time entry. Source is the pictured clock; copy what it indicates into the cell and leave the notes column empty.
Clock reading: 4:00
